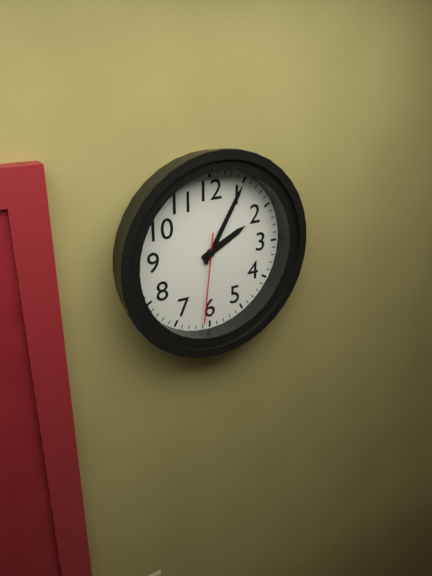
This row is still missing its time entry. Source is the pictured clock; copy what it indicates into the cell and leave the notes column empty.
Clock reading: 2:05:31
